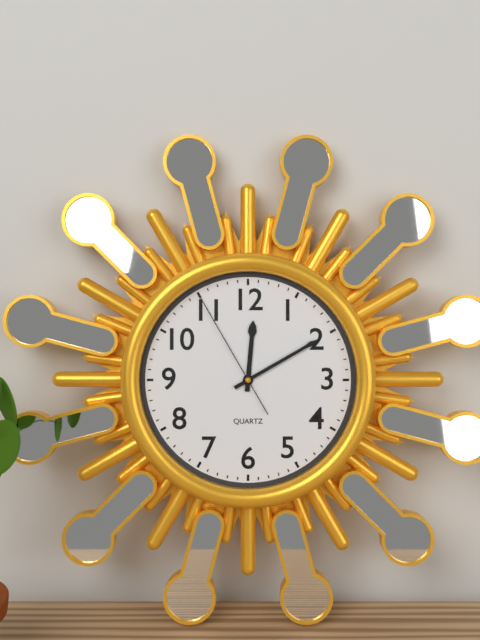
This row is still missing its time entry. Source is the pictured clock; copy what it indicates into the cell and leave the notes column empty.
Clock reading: 12:10:55
